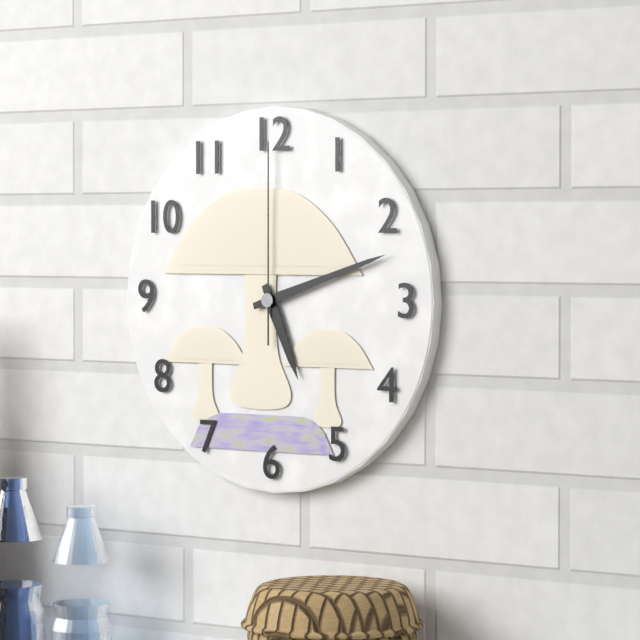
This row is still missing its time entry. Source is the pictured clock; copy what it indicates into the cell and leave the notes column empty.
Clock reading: 5:12:00
